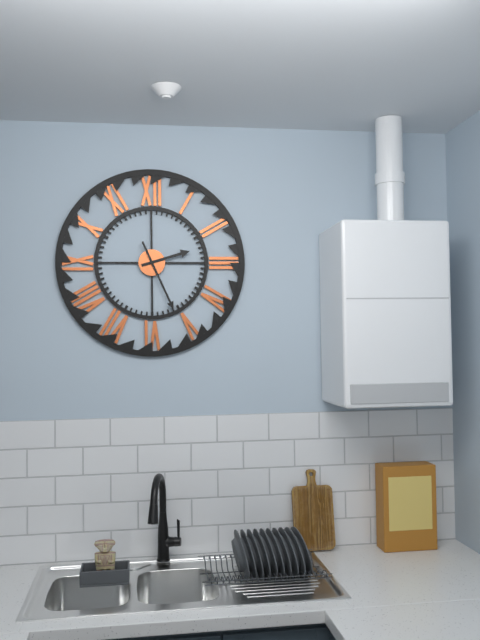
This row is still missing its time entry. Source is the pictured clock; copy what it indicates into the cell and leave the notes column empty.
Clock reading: 2:26
